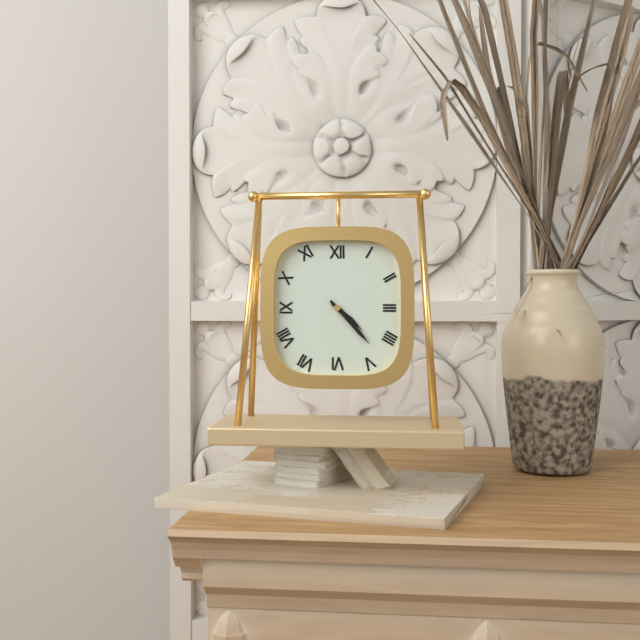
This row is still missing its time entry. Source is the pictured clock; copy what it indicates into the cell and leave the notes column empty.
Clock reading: 4:23
